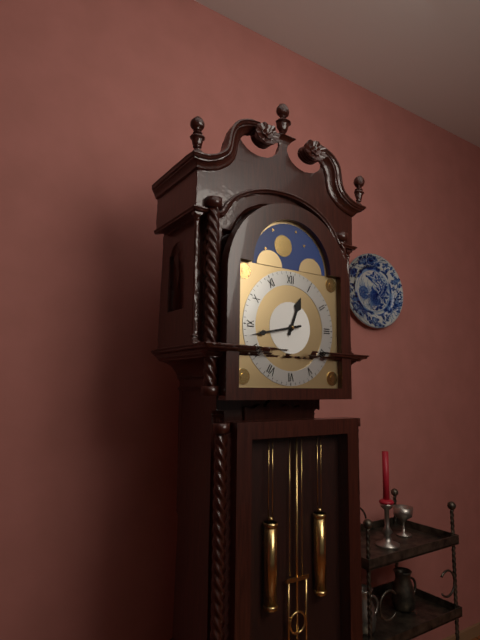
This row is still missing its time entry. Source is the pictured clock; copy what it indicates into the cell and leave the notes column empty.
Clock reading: 12:43
